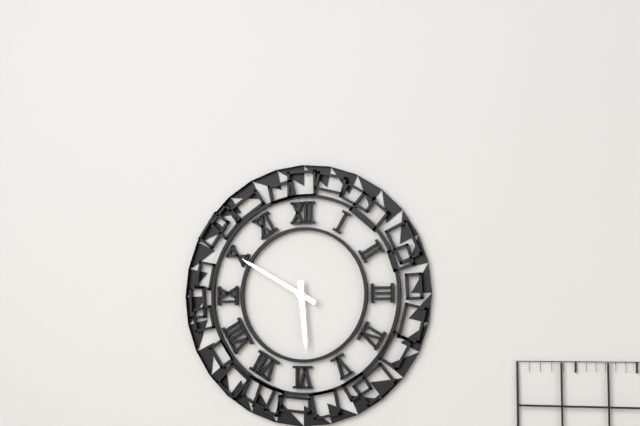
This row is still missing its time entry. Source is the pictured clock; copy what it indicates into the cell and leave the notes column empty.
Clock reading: 5:50
